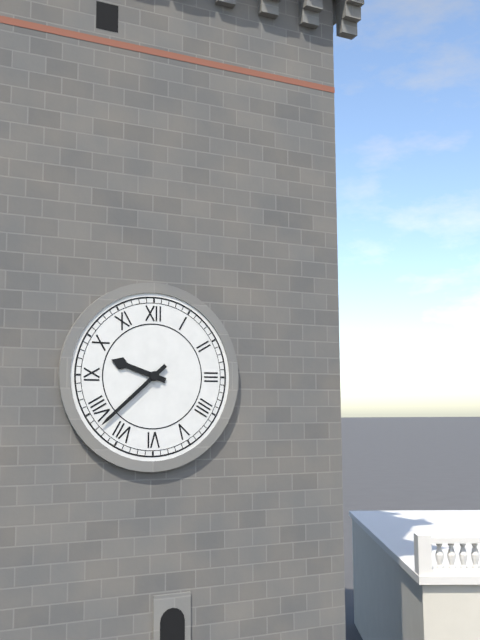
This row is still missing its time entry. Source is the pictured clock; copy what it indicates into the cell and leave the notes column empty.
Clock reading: 9:38
